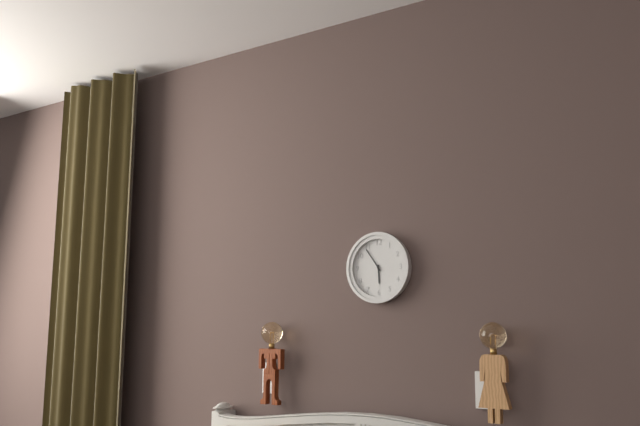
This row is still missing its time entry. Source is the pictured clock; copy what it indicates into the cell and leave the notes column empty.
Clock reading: 5:54
